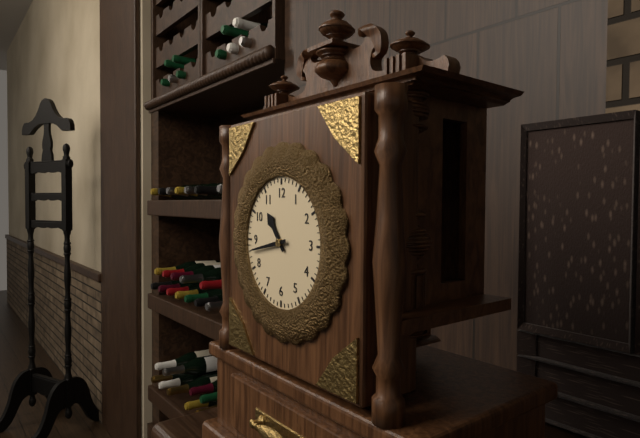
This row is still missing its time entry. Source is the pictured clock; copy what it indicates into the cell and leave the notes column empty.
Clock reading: 10:43
